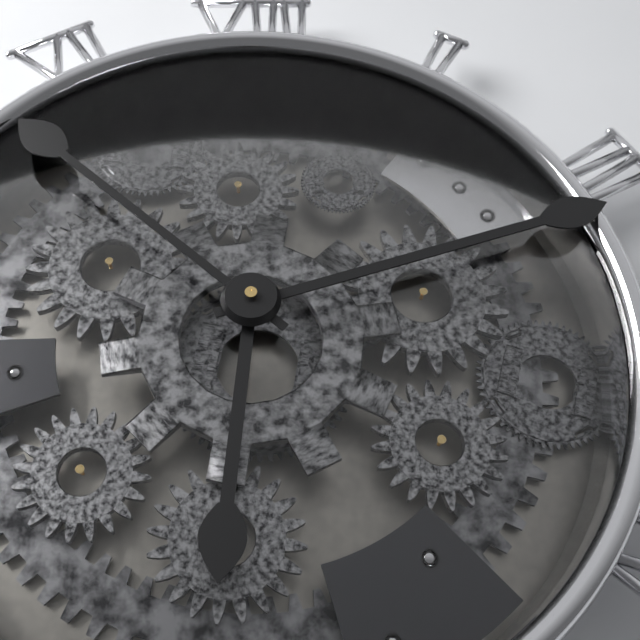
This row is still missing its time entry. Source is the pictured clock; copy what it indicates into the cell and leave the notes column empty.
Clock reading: 6:12:52
